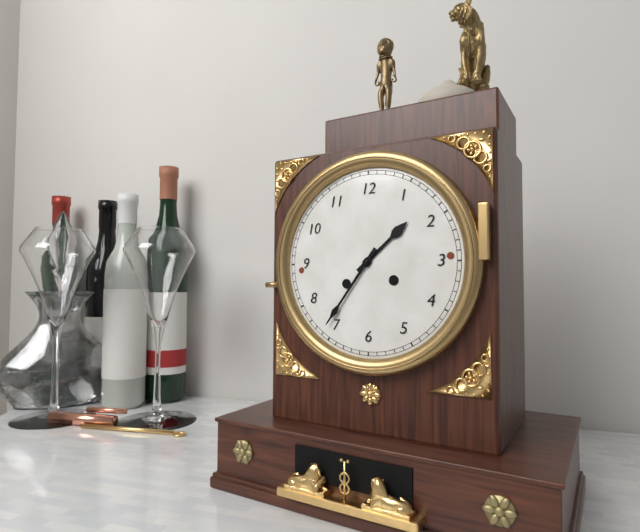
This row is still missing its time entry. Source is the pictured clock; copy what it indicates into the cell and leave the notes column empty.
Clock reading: 1:36
